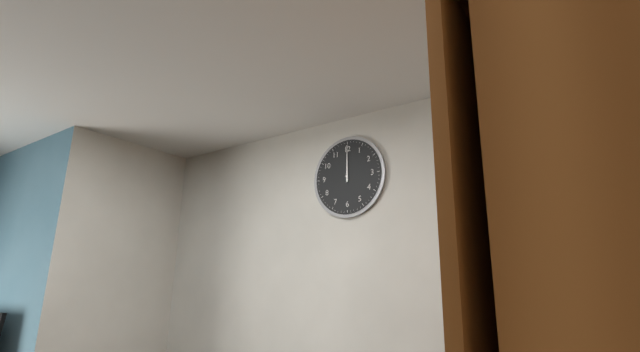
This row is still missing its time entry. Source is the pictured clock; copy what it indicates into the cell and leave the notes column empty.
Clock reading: 12:00
